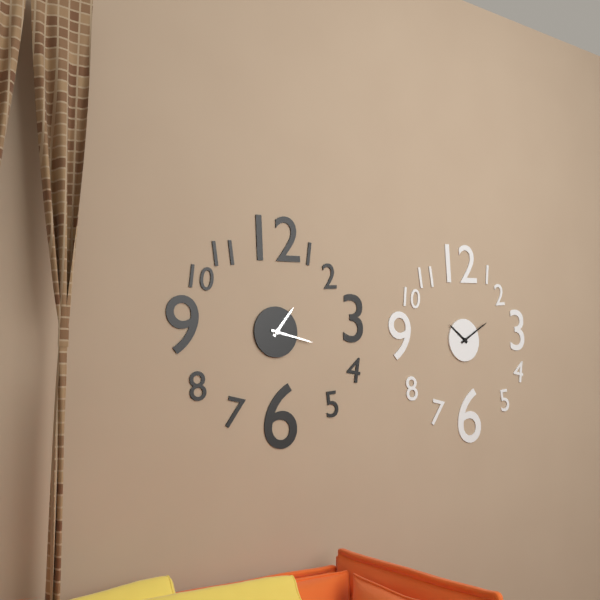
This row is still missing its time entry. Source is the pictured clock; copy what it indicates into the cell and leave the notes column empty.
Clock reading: 1:17
